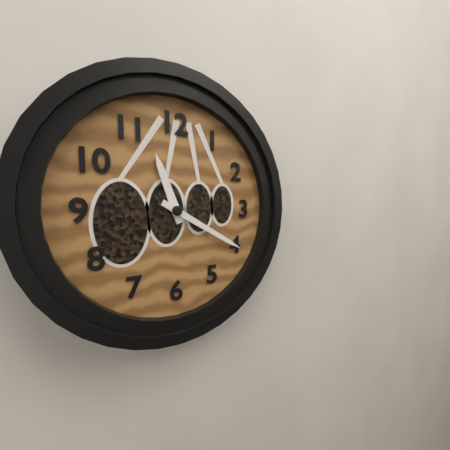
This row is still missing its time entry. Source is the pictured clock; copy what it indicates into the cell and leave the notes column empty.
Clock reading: 11:20
